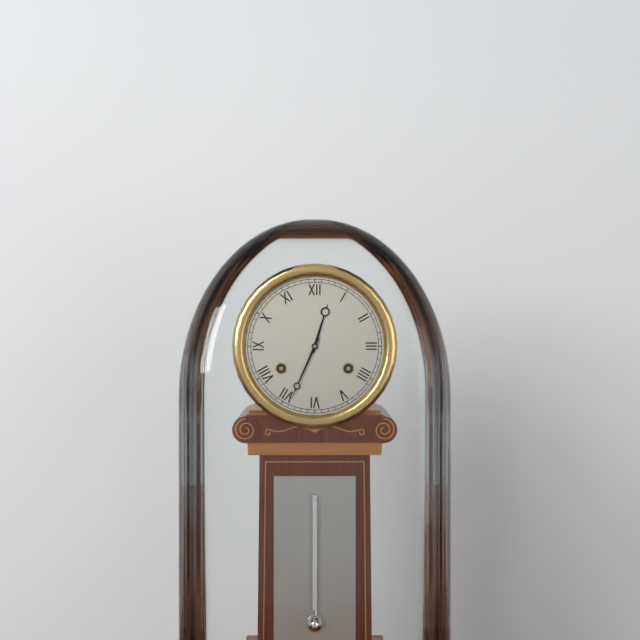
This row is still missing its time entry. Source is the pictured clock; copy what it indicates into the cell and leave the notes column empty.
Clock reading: 12:34
